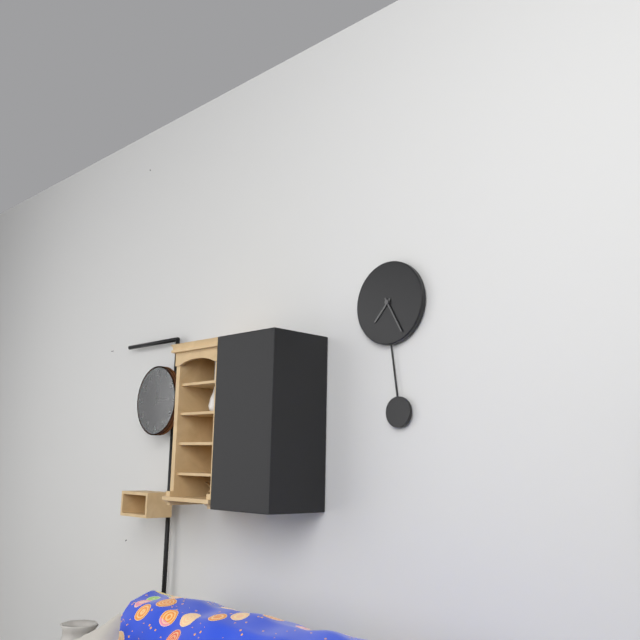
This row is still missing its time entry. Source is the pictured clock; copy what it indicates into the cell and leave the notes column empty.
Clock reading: 7:25
